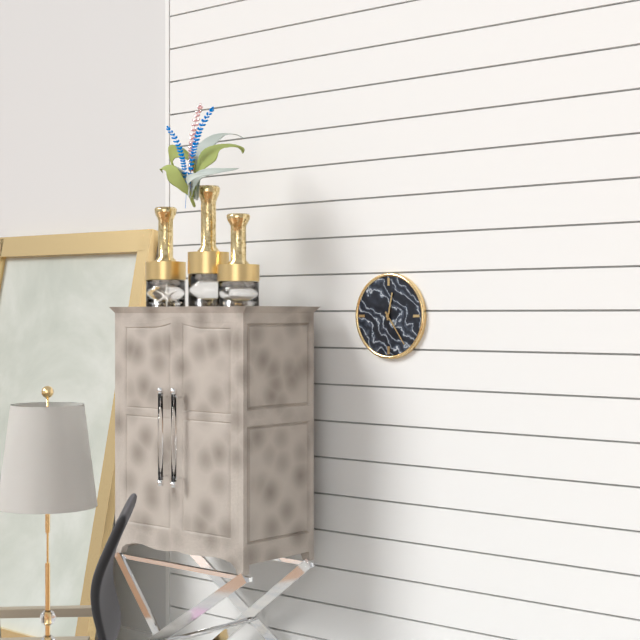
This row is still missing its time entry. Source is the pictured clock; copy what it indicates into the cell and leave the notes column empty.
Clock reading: 12:24
